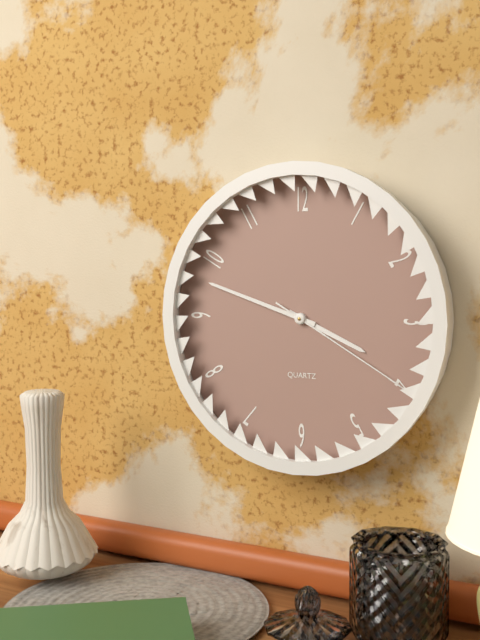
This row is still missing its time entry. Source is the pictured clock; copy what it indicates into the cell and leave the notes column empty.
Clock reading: 3:48:20
